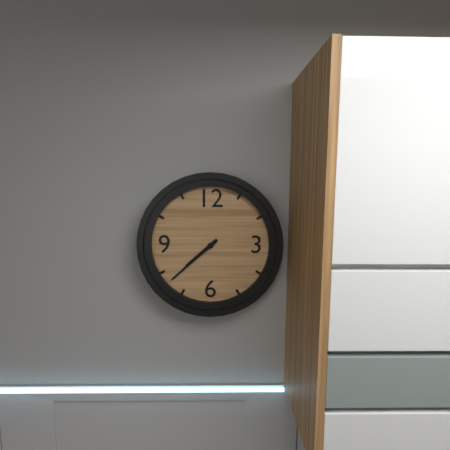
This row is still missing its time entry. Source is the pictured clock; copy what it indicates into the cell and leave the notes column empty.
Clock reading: 7:38
